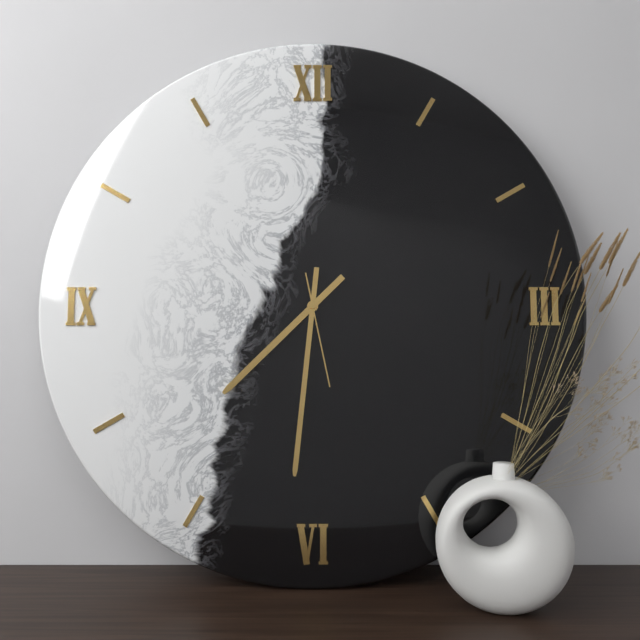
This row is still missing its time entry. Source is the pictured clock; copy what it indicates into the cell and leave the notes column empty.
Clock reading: 7:31:28
